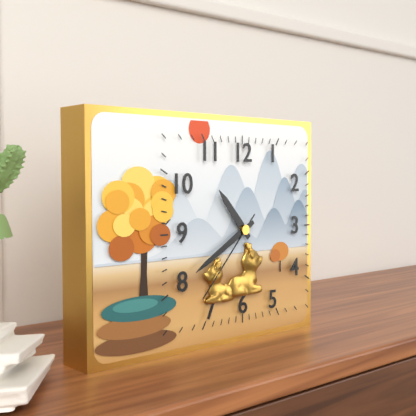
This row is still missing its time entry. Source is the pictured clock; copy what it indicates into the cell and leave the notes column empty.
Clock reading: 10:40:37
